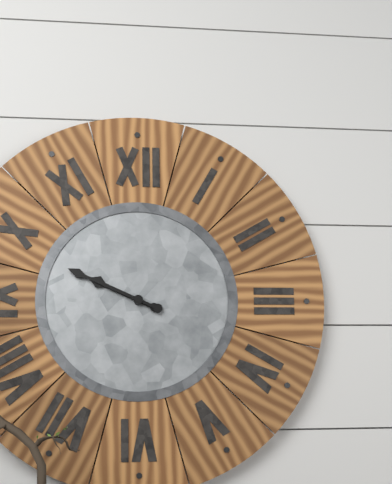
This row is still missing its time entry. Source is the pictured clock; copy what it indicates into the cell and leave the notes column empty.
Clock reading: 9:49
